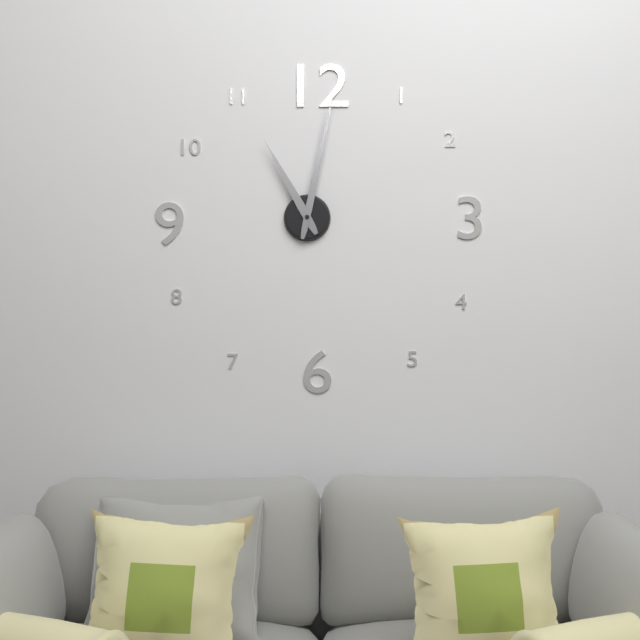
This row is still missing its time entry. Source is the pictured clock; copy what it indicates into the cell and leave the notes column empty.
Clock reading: 11:02
